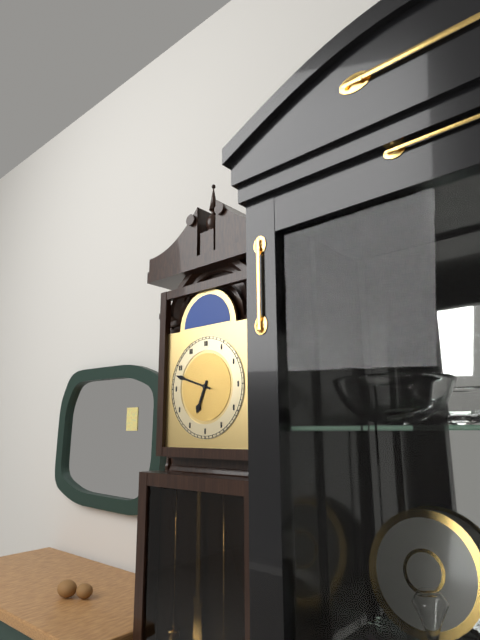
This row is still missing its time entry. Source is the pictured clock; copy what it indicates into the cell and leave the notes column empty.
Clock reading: 6:48
